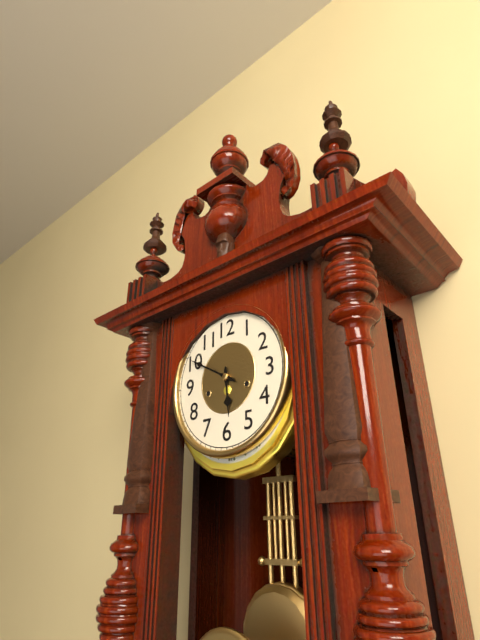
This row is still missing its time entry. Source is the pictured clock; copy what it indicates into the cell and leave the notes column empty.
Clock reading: 5:50
